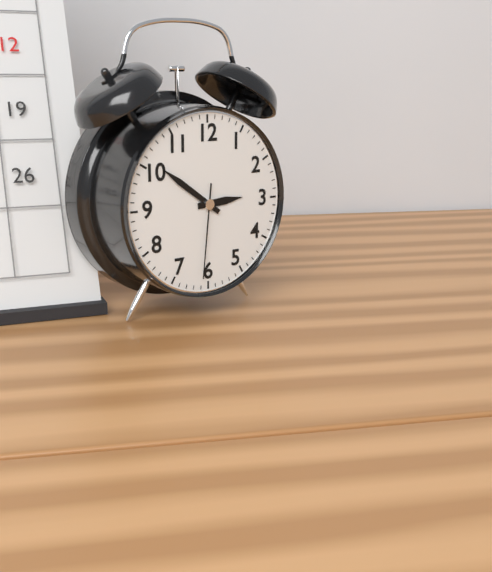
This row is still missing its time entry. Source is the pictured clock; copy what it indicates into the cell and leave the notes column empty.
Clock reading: 2:51:31
